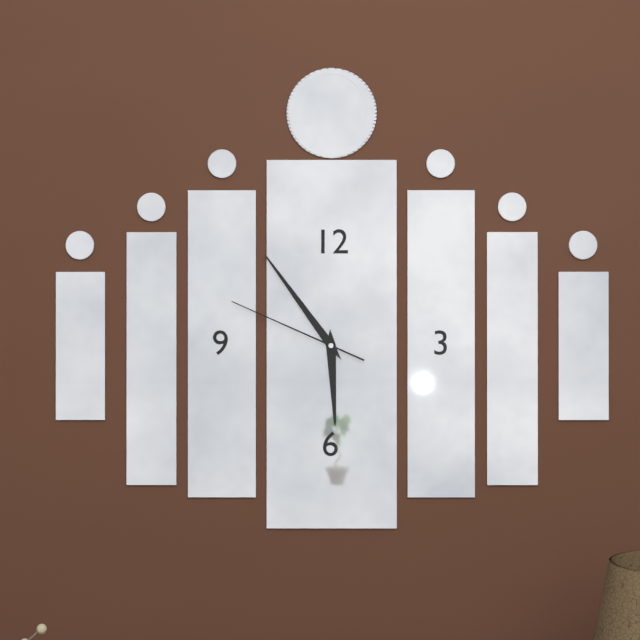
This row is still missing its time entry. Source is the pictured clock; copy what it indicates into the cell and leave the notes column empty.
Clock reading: 5:54:49
